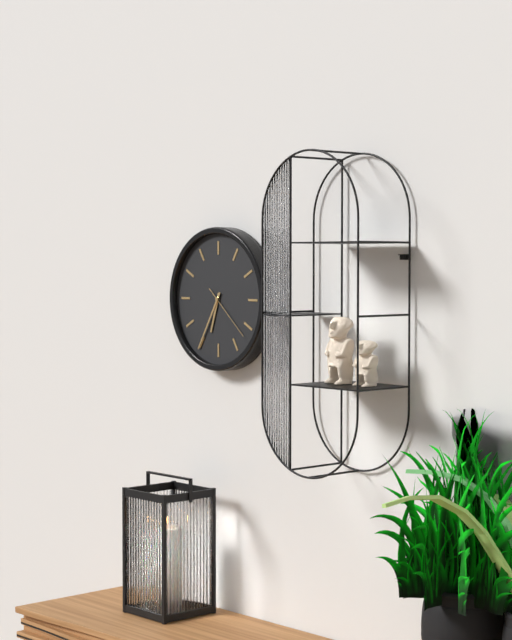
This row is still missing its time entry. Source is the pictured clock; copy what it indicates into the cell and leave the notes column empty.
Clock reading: 6:35:22
